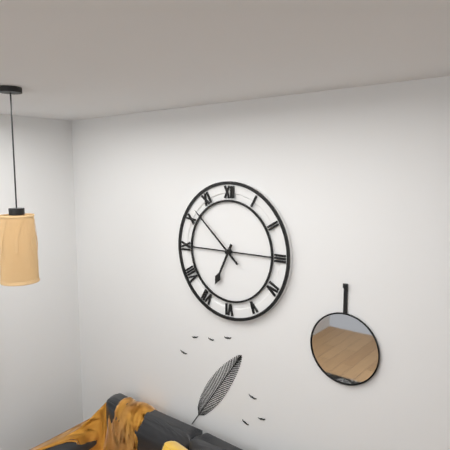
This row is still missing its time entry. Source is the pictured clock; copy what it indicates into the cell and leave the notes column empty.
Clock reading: 6:52
